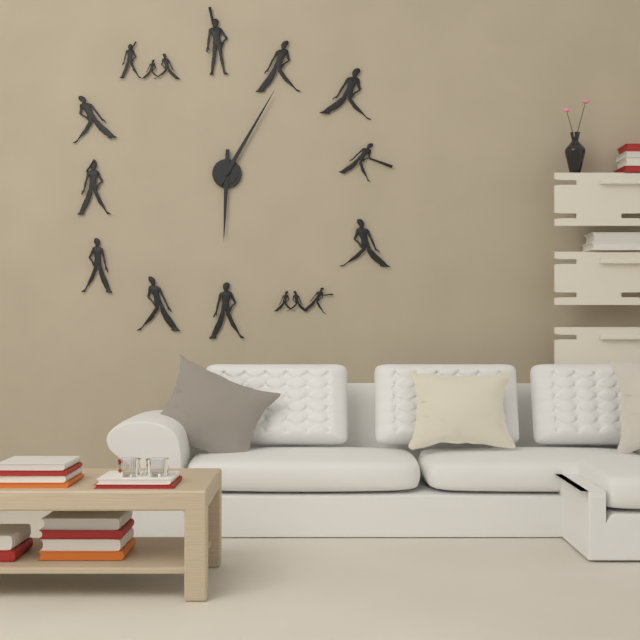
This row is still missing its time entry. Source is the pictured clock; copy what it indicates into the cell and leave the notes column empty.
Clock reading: 6:05
